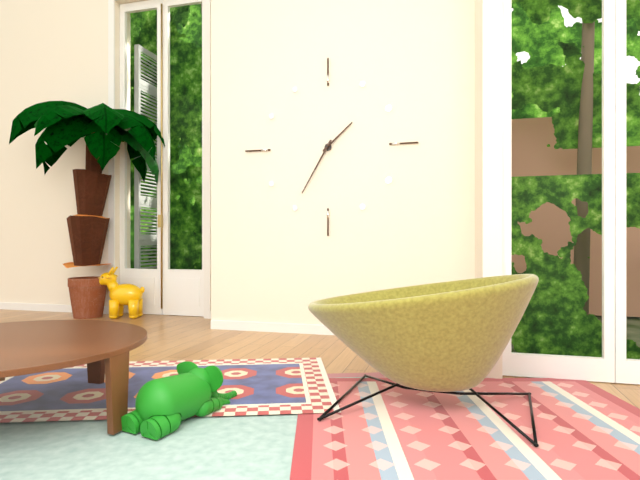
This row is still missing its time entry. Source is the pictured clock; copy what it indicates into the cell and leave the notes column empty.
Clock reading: 1:35
